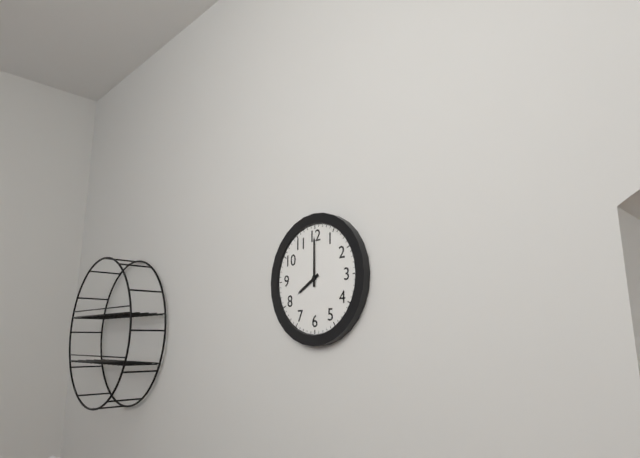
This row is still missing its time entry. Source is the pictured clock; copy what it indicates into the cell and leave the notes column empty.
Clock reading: 8:00
